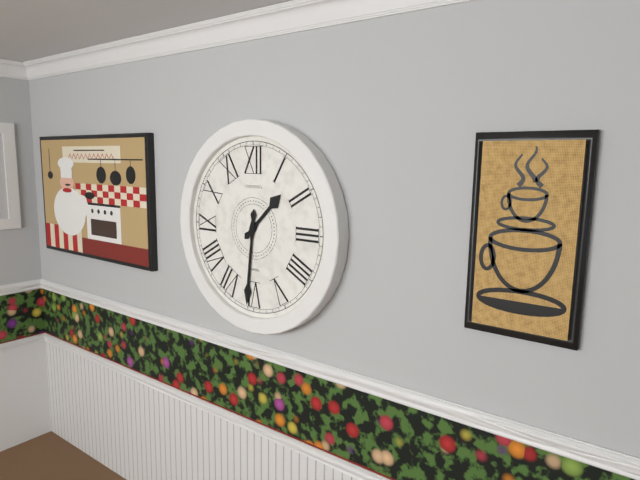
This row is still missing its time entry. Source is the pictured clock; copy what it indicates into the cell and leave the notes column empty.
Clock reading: 1:31
